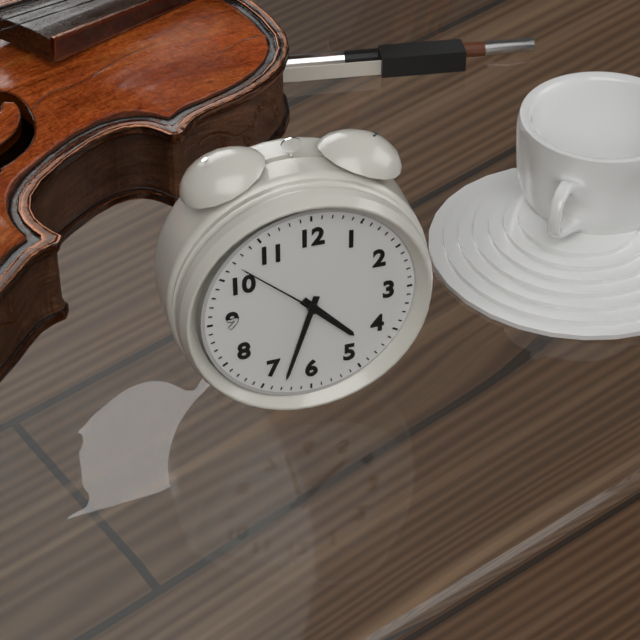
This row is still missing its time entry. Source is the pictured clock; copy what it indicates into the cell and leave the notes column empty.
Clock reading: 4:33:52
